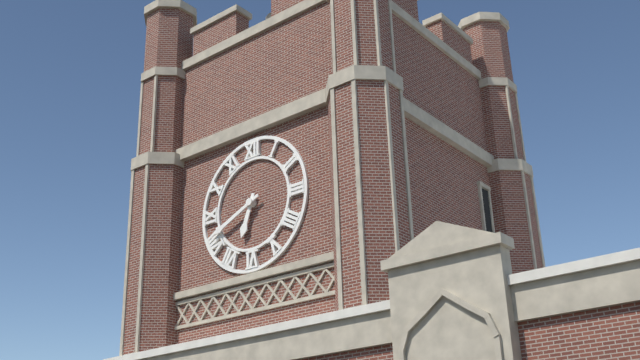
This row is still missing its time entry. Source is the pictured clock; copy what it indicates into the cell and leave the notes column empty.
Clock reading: 6:41
